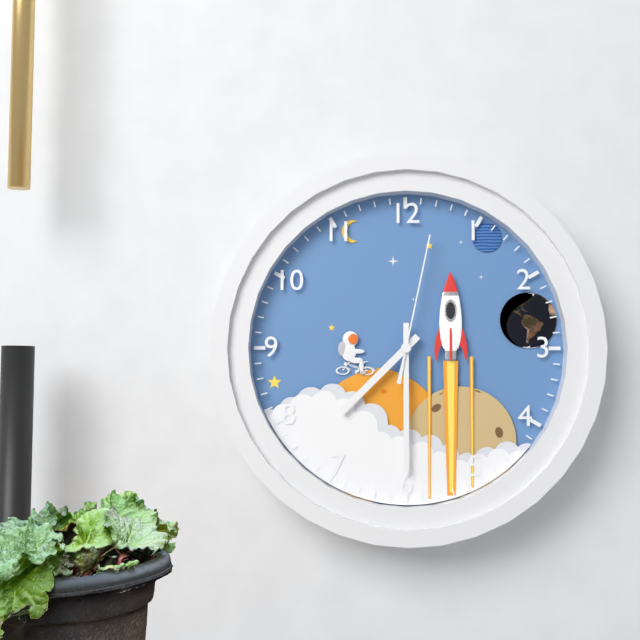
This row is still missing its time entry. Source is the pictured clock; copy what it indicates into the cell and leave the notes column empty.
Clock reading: 7:30:02
